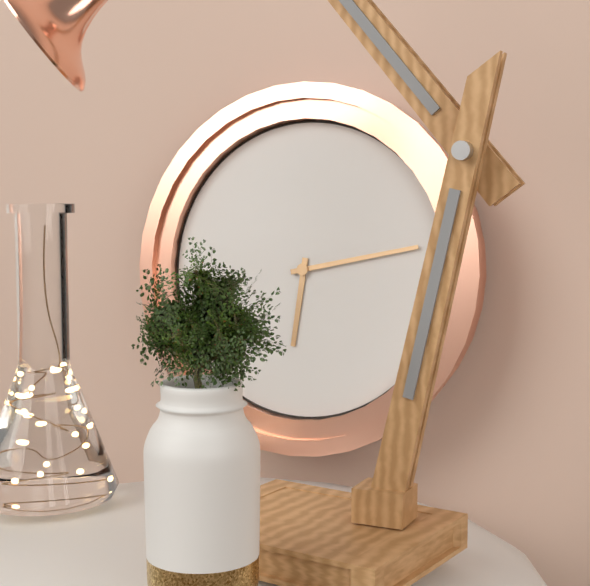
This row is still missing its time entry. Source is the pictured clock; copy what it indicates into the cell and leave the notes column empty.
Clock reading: 6:13
